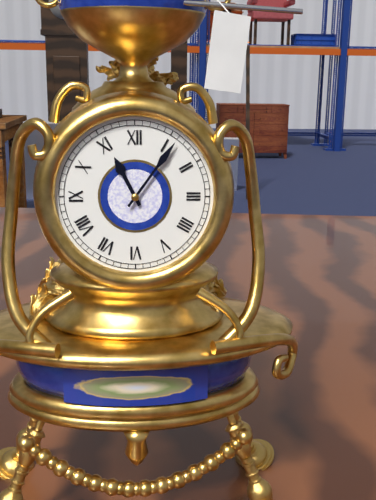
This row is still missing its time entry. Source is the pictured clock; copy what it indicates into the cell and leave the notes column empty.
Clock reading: 11:06
